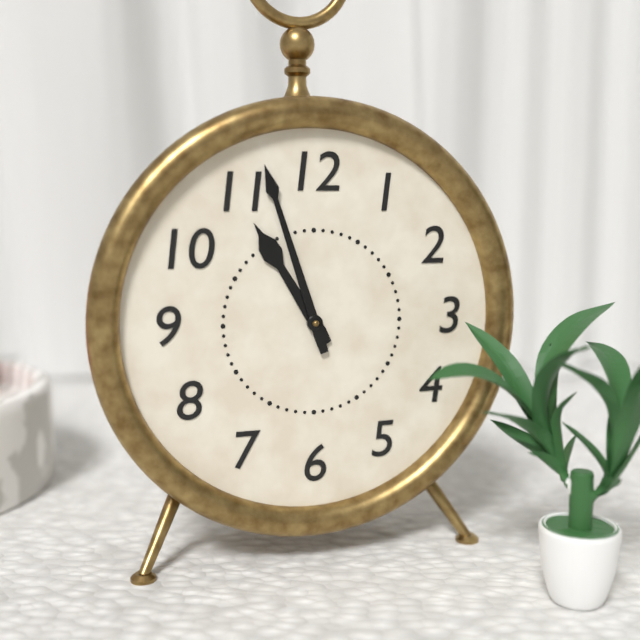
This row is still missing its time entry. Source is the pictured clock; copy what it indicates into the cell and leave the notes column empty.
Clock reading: 10:57
